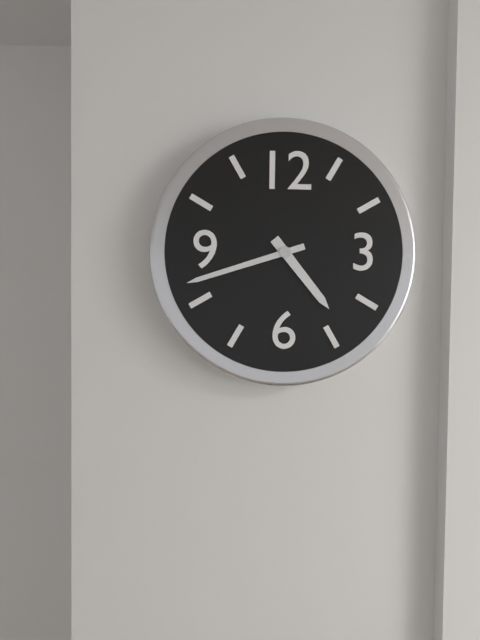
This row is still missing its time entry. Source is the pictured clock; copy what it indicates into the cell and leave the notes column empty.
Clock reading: 4:42
